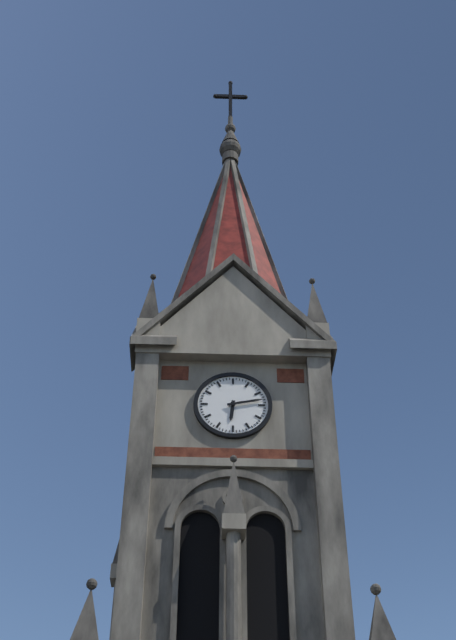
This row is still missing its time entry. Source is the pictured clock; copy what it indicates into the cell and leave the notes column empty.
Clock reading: 6:13
